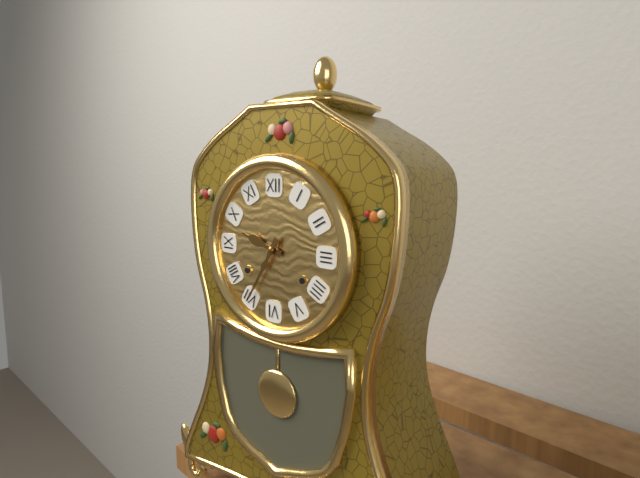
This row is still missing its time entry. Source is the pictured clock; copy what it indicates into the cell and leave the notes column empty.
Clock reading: 9:35
